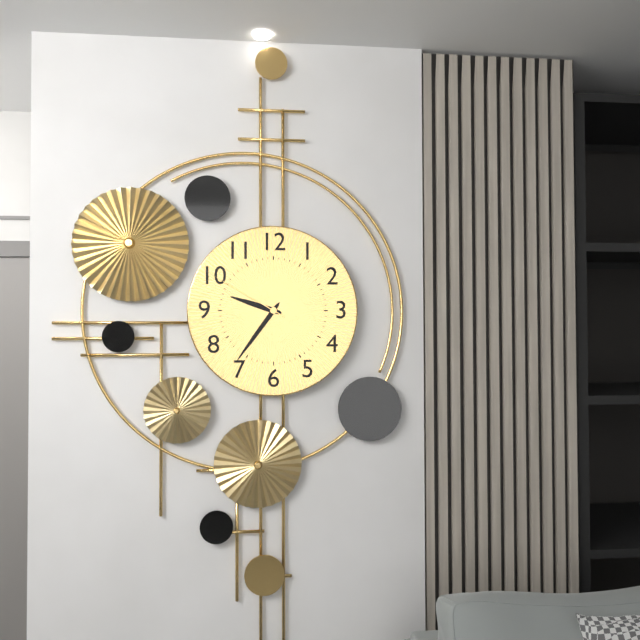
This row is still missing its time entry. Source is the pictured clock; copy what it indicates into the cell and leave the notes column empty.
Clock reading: 9:36:50
